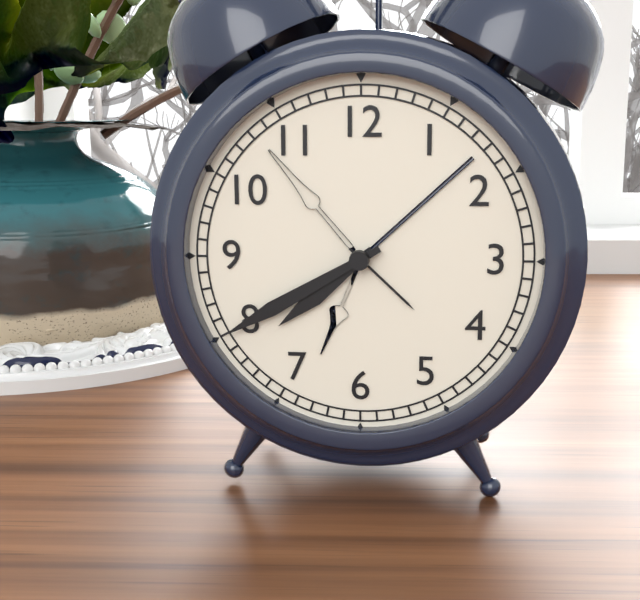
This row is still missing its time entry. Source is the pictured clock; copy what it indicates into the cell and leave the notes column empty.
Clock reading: 7:40
